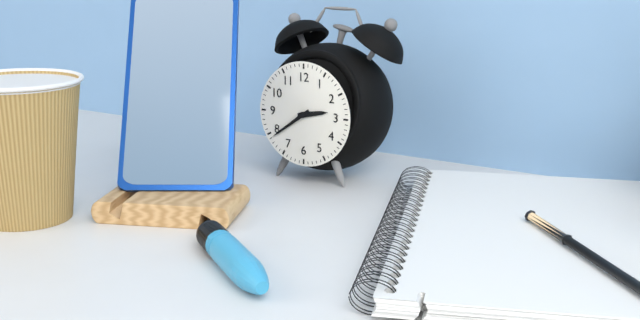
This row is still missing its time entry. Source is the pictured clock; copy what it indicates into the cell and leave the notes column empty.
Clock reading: 2:39
